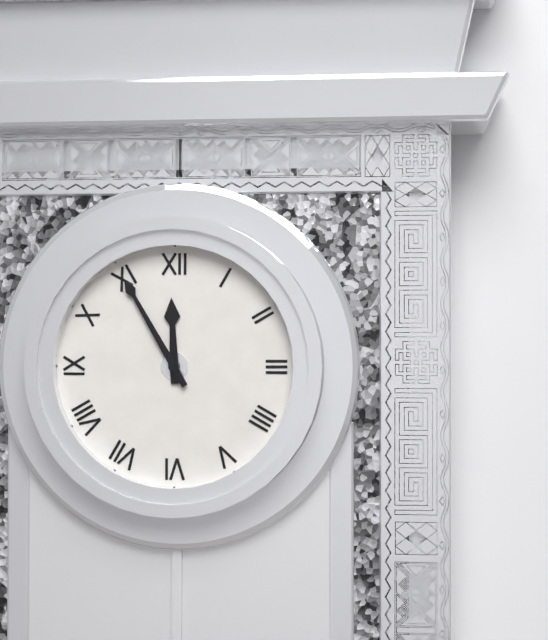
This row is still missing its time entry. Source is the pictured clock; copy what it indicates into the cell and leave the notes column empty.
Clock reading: 11:55
